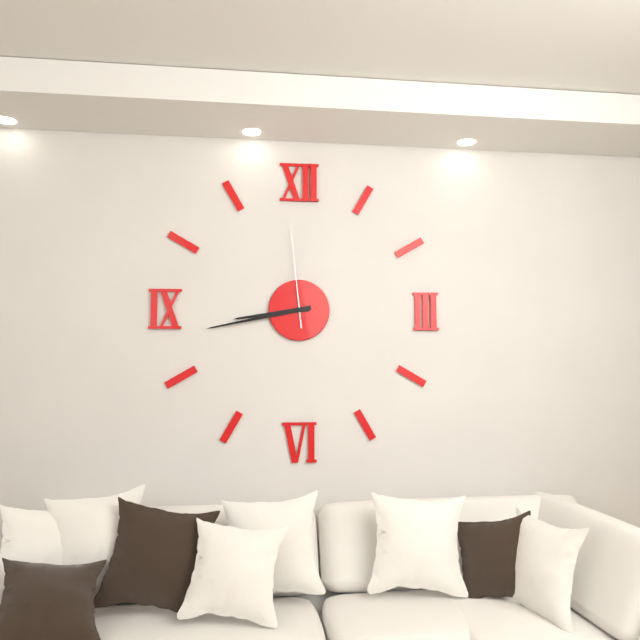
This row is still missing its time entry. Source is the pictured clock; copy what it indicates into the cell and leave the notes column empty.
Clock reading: 8:43:59
